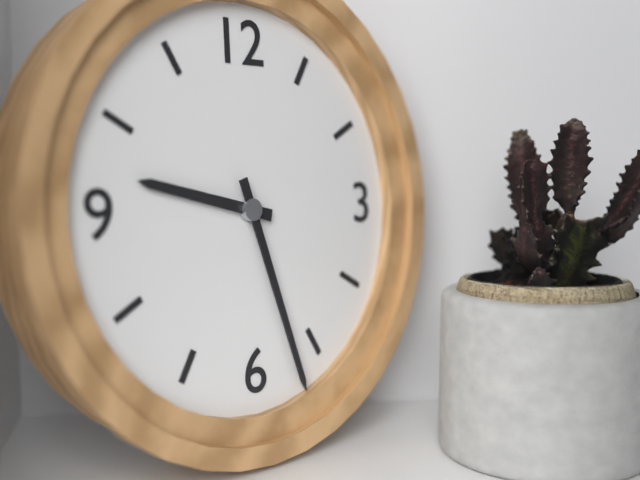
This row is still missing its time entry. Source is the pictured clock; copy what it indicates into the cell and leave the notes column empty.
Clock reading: 9:27
